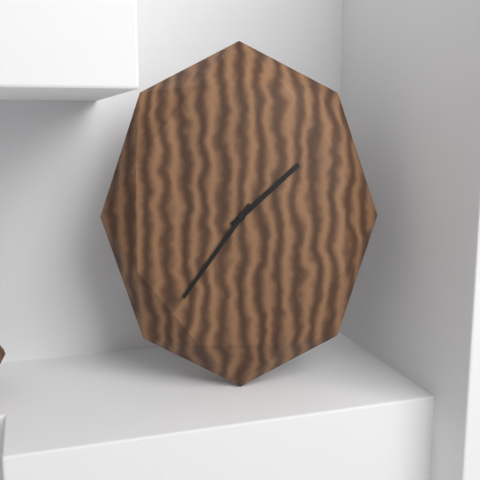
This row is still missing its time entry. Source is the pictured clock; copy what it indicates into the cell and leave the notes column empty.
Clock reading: 1:36
